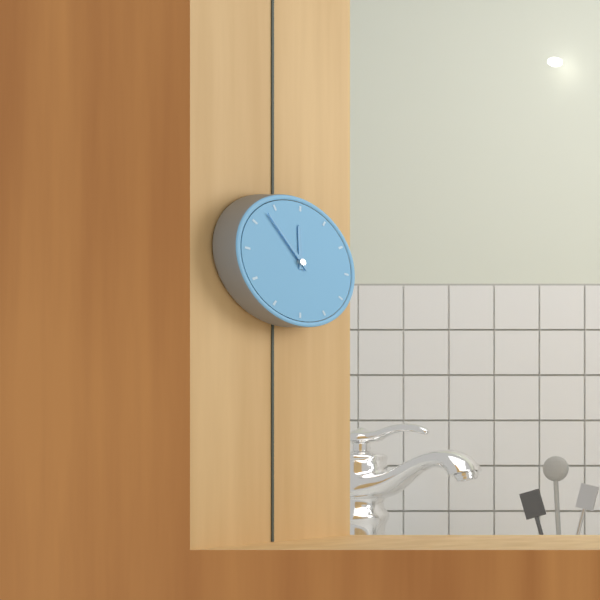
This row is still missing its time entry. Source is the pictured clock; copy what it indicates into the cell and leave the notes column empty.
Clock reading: 11:53
